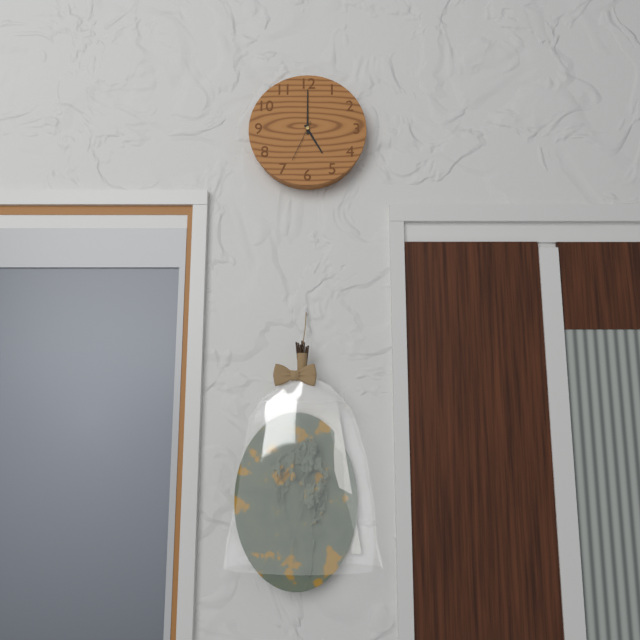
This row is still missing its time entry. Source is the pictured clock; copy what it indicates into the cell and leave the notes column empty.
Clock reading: 5:00
